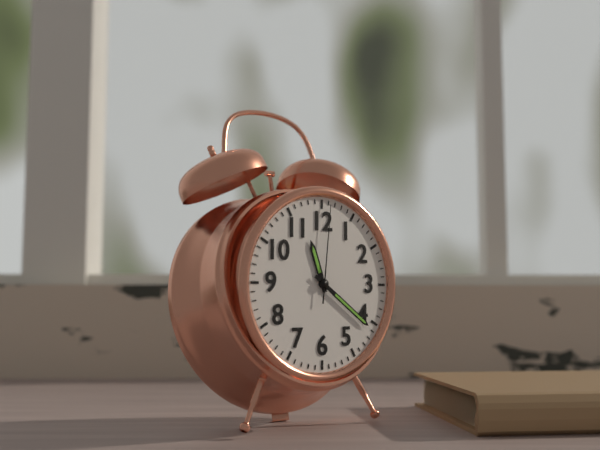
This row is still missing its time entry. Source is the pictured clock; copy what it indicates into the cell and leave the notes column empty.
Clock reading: 11:21:01
